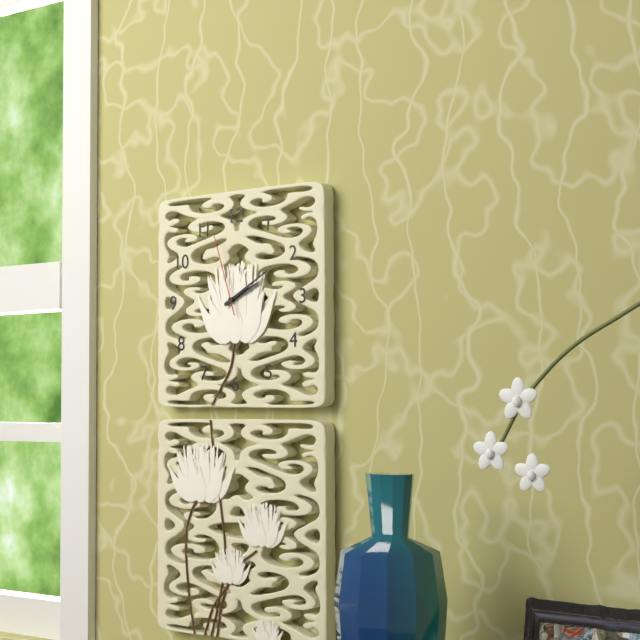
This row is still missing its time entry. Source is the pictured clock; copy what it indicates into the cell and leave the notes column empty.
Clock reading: 2:10:57
